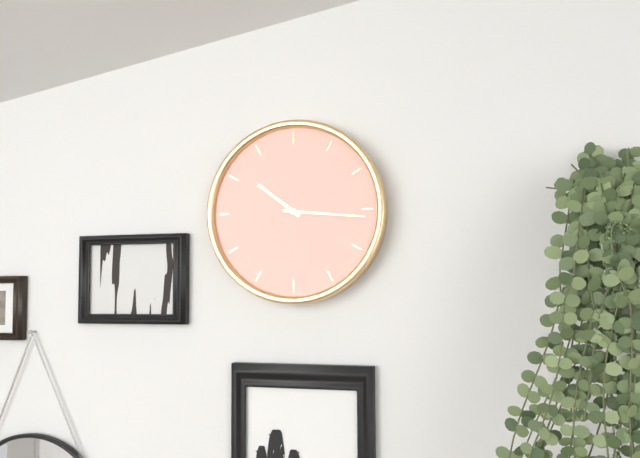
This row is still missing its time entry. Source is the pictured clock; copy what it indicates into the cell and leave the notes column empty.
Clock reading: 10:16
